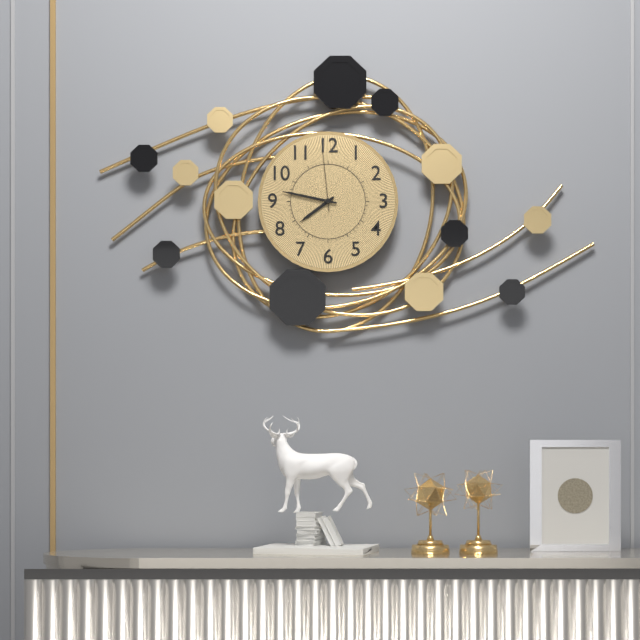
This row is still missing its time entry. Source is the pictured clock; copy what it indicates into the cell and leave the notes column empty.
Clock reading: 7:47:59
